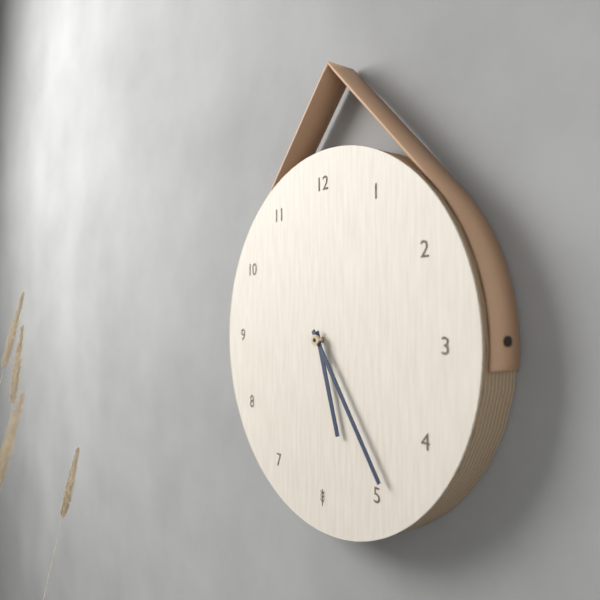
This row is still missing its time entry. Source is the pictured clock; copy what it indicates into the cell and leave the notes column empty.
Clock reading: 5:24
